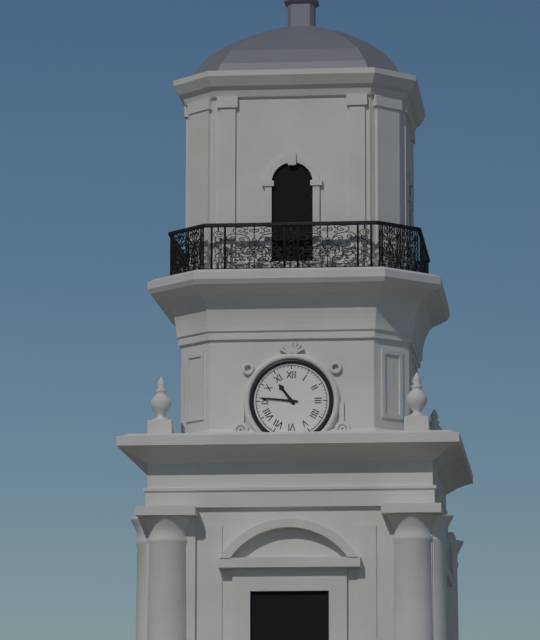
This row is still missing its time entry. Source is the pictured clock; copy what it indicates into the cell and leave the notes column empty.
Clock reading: 10:46
